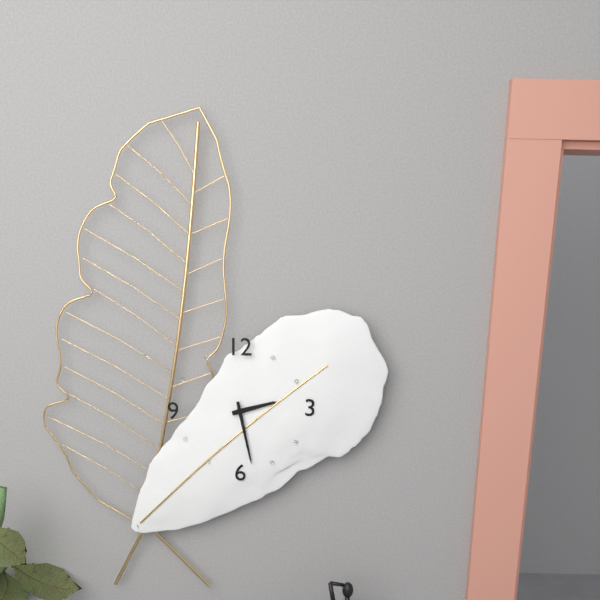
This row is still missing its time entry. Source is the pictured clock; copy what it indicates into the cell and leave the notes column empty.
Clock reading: 2:28
